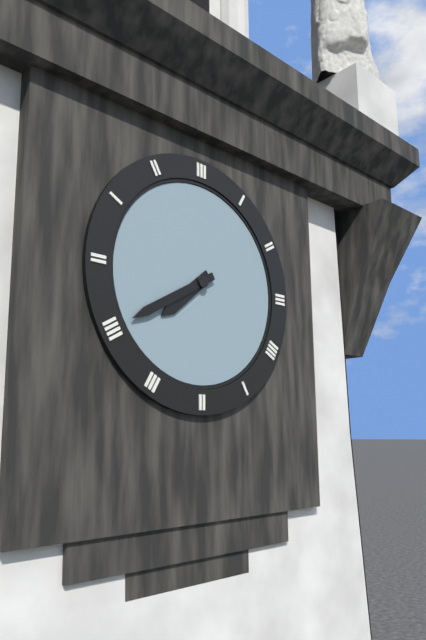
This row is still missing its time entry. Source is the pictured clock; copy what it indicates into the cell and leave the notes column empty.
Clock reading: 7:40
